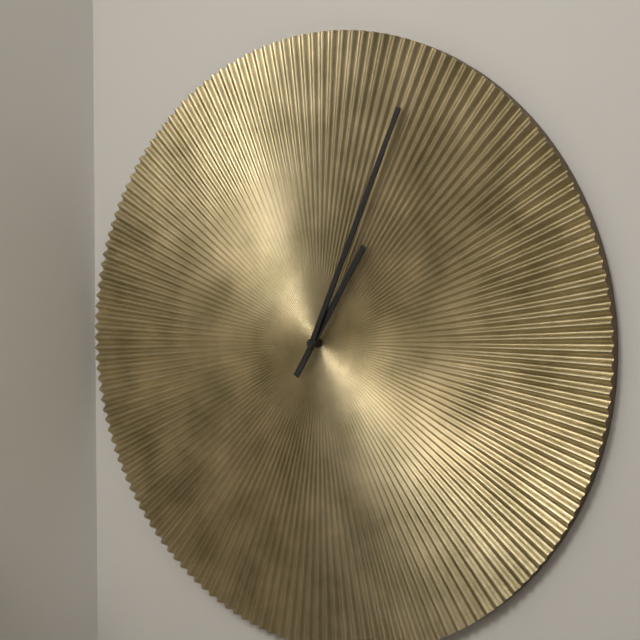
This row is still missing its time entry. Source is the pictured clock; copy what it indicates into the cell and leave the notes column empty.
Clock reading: 1:04
